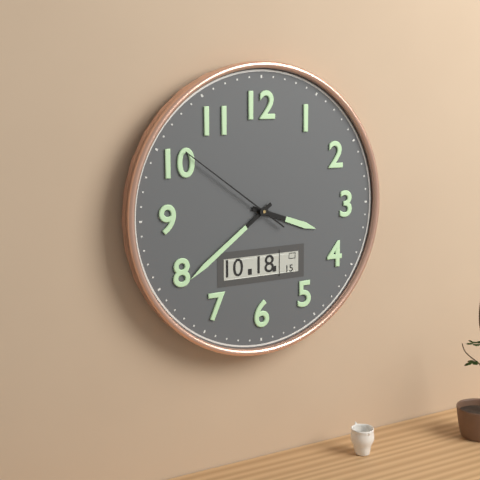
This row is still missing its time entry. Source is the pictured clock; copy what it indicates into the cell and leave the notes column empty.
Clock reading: 3:39:51
